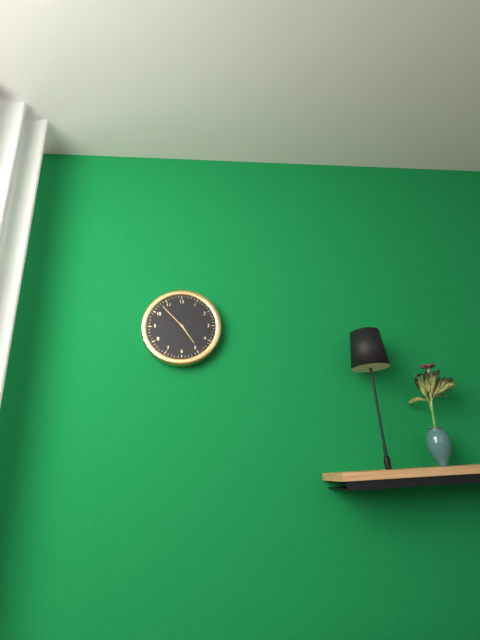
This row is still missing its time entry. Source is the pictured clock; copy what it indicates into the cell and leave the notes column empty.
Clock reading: 4:53
